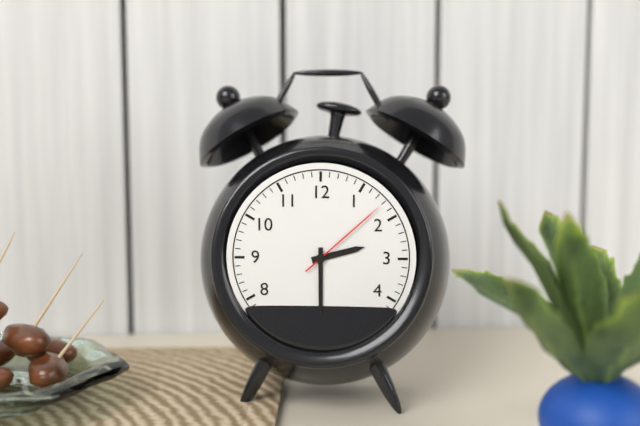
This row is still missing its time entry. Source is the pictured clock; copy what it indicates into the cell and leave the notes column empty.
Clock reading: 2:30:08
